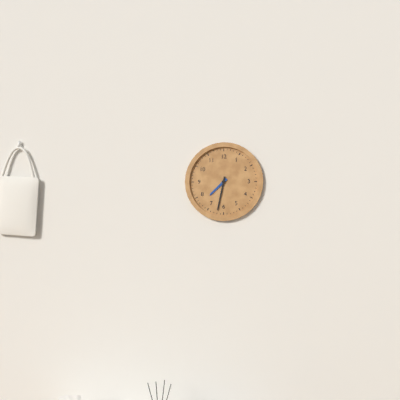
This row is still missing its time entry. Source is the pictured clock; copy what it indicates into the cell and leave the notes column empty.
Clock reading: 7:32
